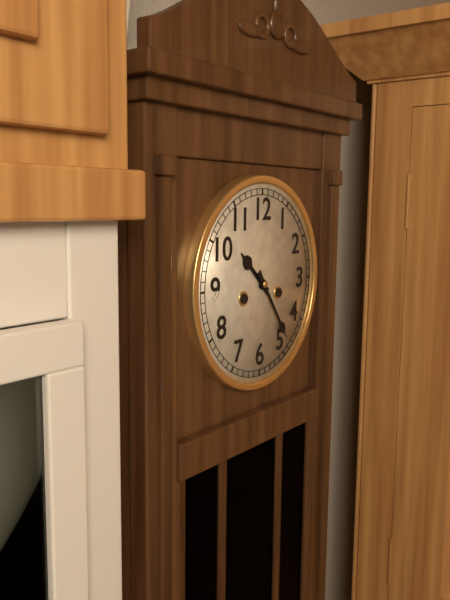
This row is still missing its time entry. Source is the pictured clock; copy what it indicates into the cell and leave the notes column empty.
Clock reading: 10:24
